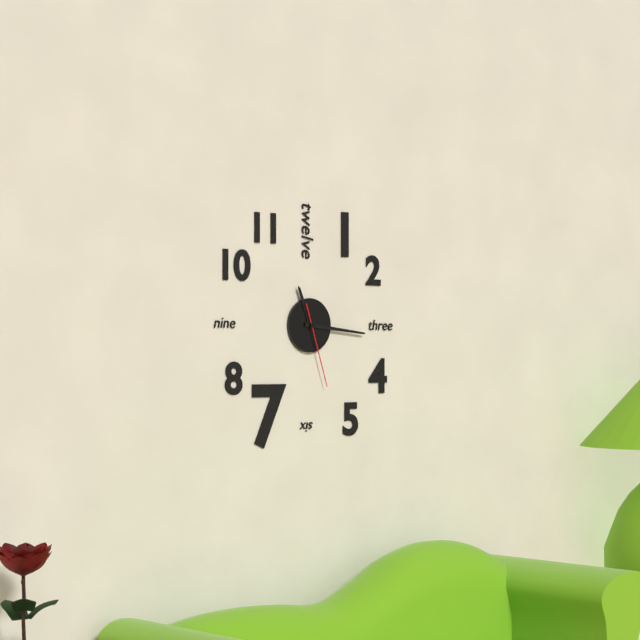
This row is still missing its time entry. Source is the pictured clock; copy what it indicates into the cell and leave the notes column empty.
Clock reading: 11:16:27
